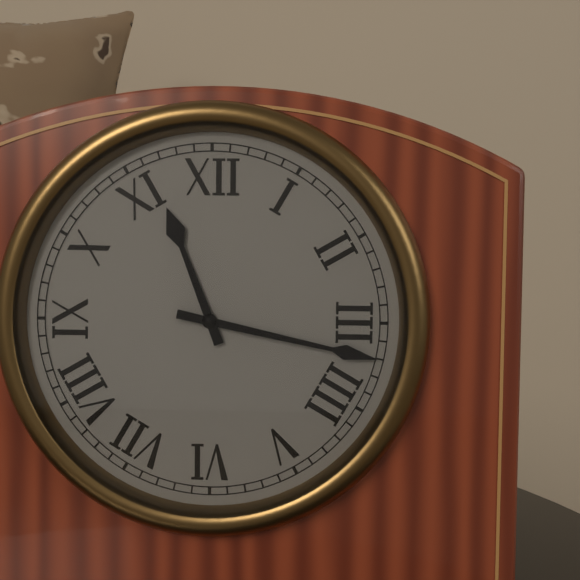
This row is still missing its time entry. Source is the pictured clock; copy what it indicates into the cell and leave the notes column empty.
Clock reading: 11:17
